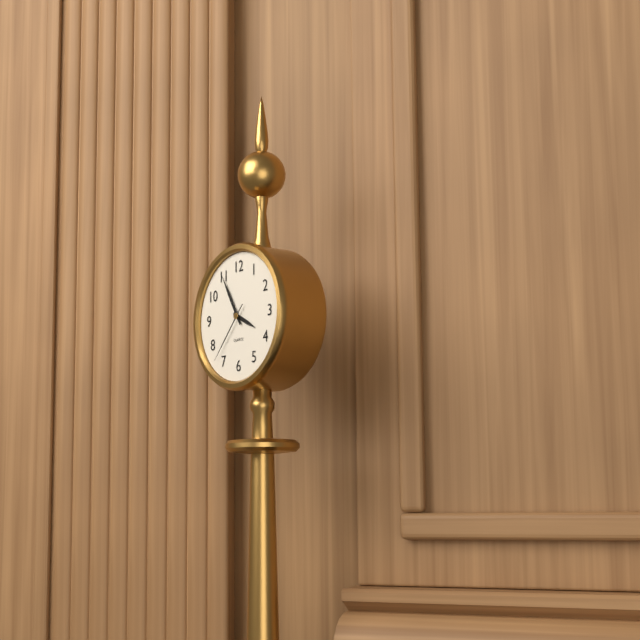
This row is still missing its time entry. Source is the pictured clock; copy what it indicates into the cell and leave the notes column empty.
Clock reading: 3:55:37
